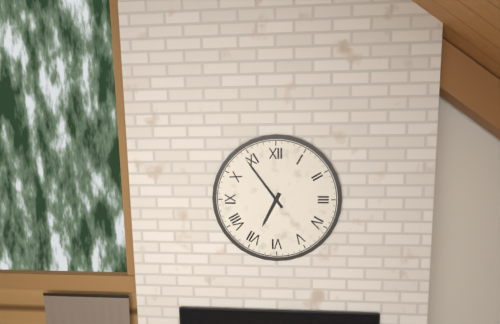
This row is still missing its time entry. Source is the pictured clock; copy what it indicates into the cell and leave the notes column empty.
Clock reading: 6:54
